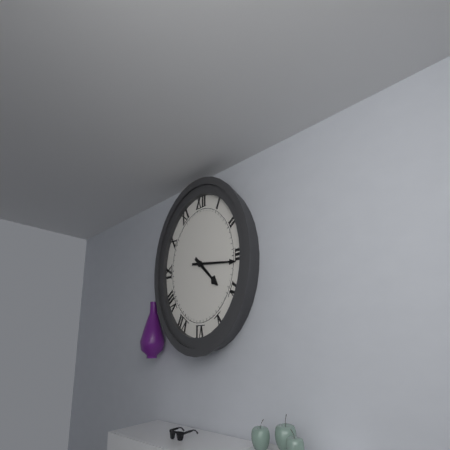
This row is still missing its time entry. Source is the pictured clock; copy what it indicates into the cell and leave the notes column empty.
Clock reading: 4:16
